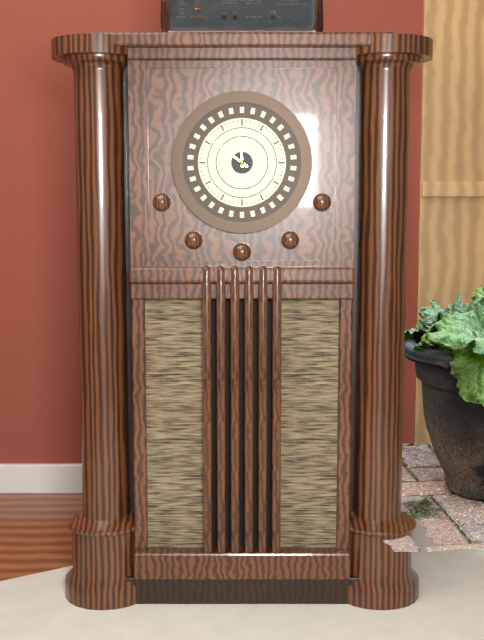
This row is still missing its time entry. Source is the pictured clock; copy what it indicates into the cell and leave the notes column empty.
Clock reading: 11:51
